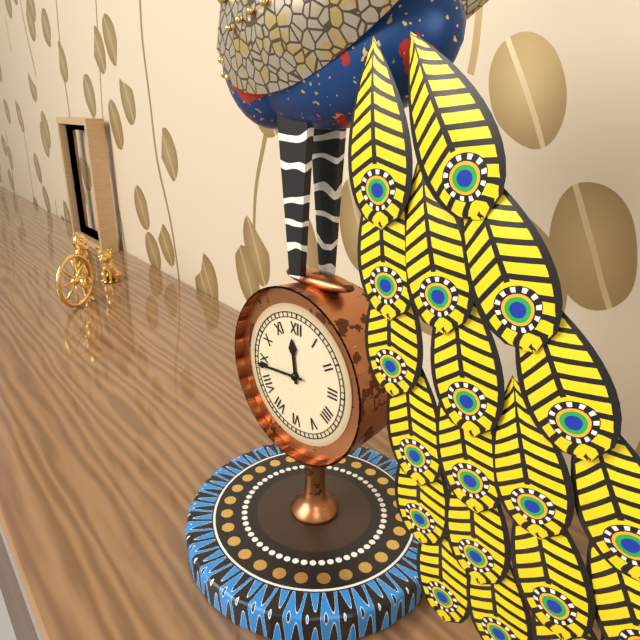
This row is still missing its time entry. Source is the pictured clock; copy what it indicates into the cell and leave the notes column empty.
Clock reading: 11:44
